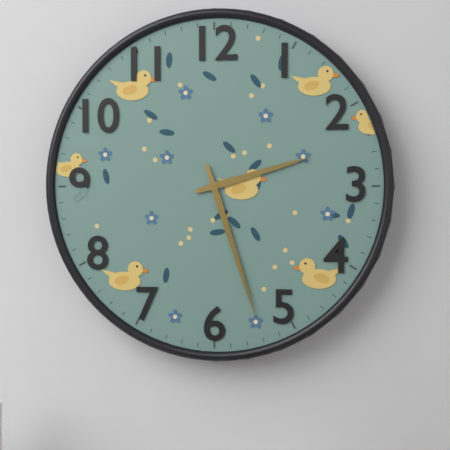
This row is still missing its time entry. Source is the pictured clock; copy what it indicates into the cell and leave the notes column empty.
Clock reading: 2:27
